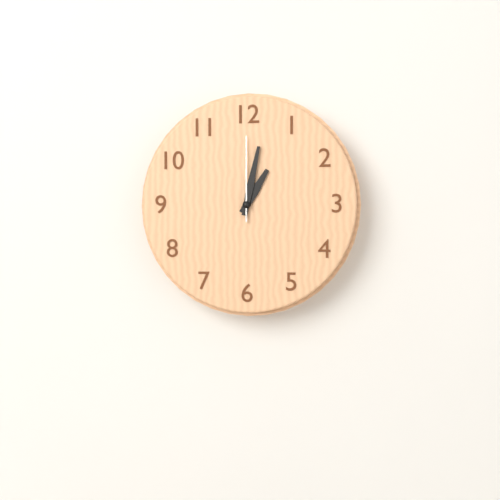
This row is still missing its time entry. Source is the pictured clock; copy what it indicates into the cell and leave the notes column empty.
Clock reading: 1:02:00
